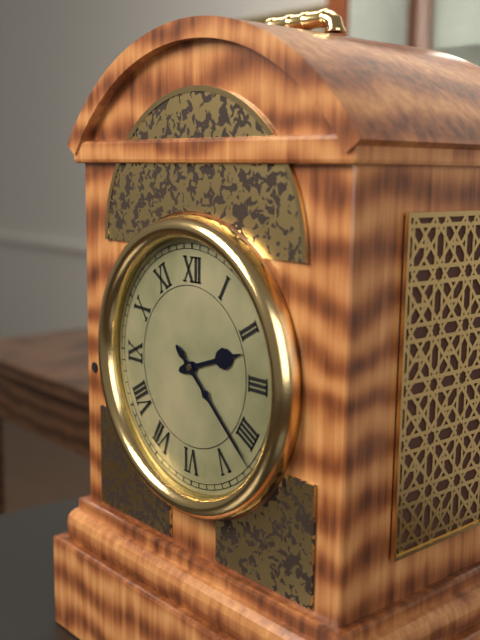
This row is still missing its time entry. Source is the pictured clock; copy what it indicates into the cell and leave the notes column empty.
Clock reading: 2:22
